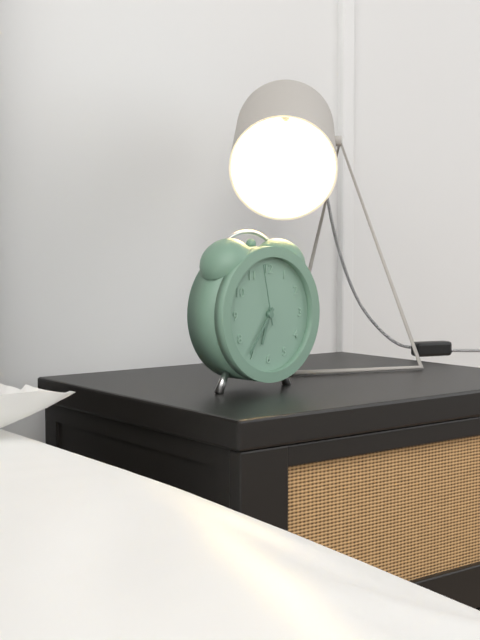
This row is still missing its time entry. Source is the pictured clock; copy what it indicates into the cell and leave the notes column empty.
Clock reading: 6:36:58
